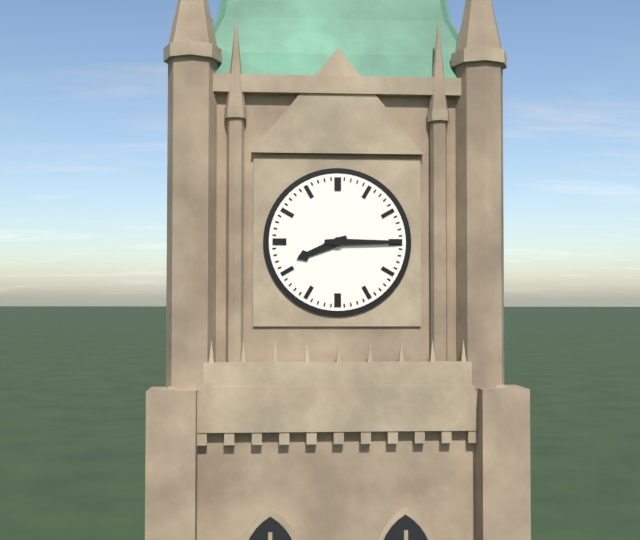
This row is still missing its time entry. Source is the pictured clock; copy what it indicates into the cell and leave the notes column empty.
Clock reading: 8:15
